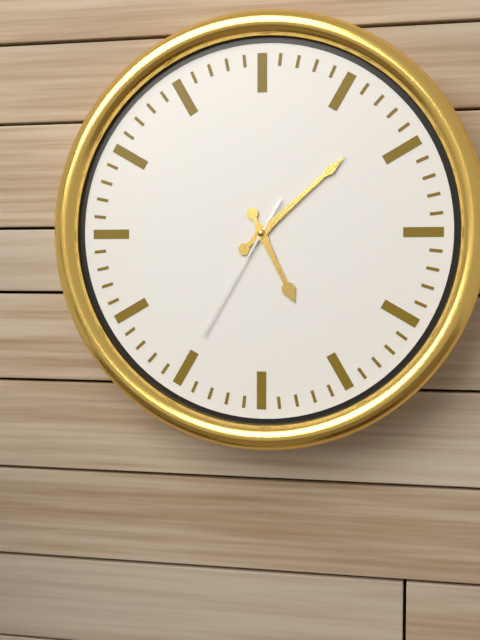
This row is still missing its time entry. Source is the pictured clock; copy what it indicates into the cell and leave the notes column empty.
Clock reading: 5:08:35
